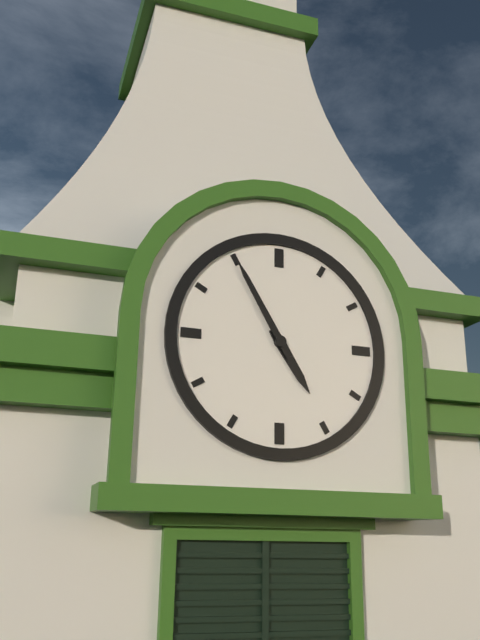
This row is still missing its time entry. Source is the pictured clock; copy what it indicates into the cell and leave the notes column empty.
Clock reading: 4:55
